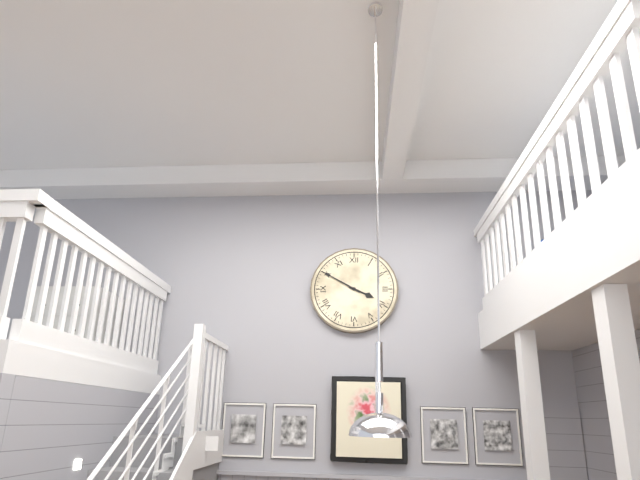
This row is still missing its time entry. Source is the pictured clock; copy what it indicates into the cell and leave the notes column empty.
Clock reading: 3:50
